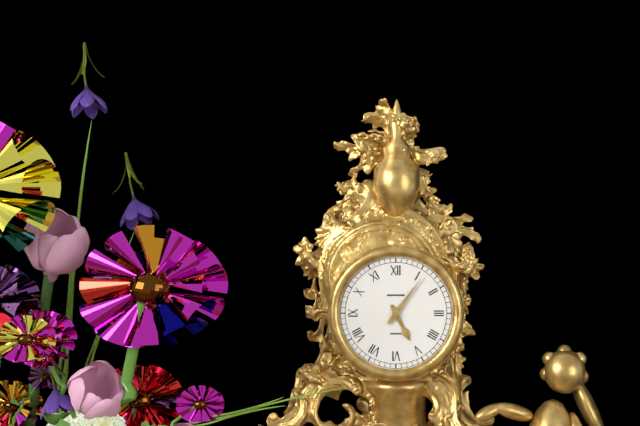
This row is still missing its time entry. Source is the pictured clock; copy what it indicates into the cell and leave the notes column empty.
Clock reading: 5:06
